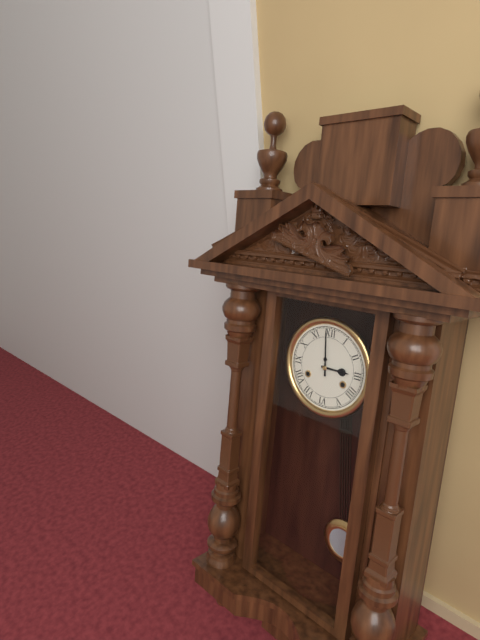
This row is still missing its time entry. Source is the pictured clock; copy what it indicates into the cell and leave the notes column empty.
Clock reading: 2:59
